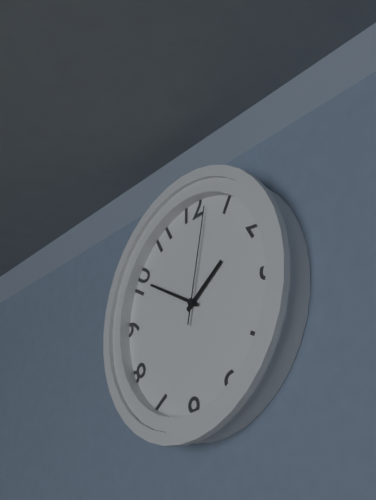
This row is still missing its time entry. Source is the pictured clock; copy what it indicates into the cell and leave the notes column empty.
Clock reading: 1:50:02
